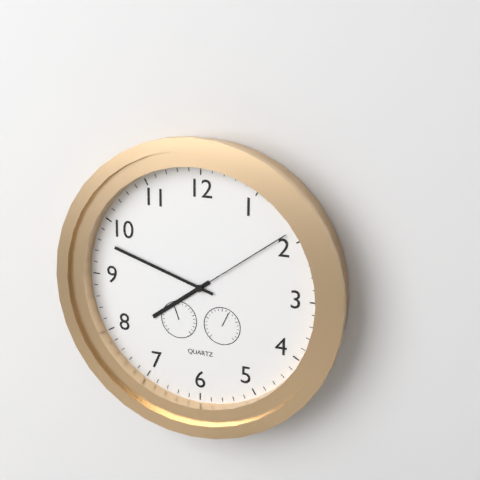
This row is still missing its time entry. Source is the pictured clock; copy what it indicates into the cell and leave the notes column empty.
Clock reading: 7:48:09
